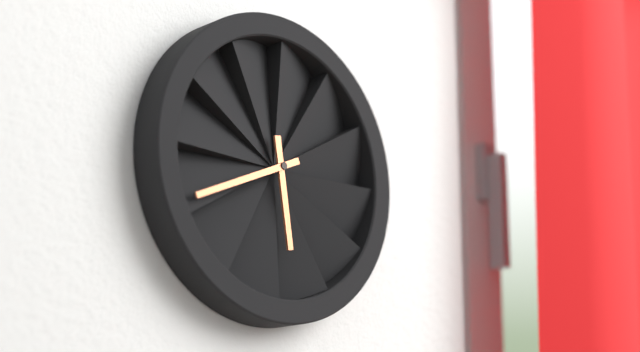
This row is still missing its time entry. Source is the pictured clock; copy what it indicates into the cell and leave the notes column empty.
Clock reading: 5:41
